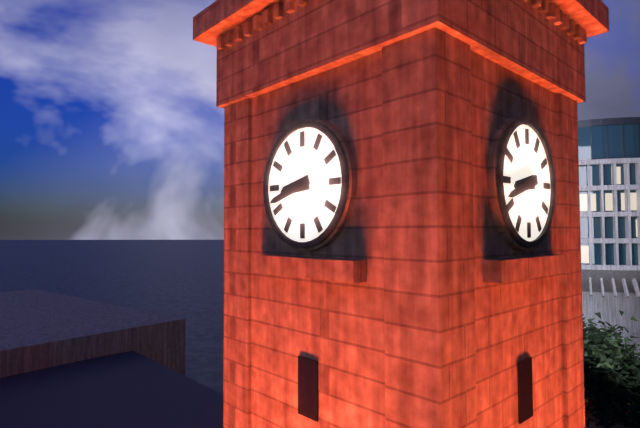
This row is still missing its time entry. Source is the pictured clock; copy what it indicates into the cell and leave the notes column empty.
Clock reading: 8:42
